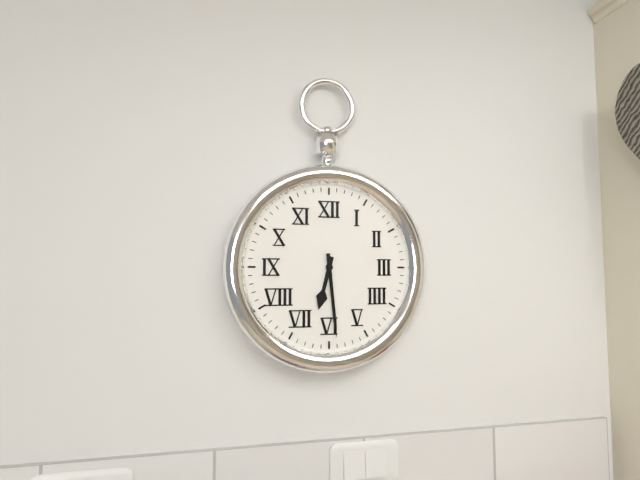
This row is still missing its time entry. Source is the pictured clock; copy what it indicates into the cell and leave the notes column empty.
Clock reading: 6:29
